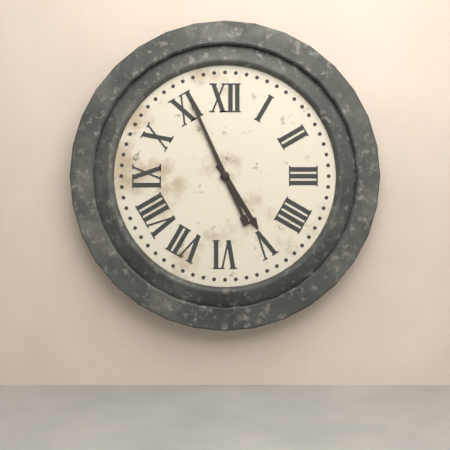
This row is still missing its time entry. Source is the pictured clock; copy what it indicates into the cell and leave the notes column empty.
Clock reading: 4:56
